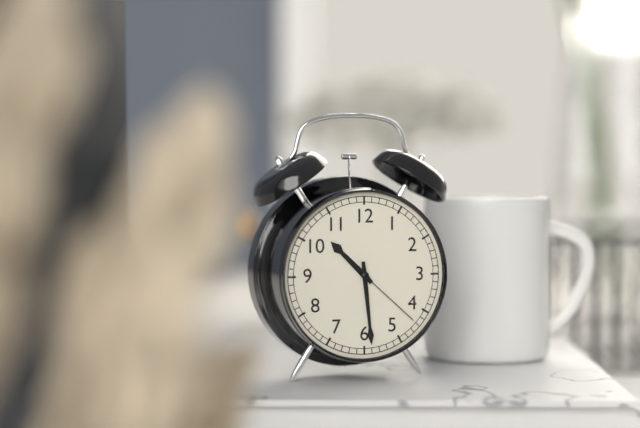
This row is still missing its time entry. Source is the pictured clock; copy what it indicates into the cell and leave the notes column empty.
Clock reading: 10:29:22
